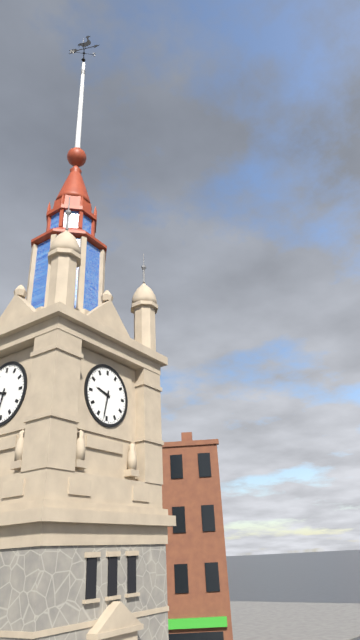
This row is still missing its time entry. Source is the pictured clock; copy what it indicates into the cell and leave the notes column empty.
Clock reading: 9:32
